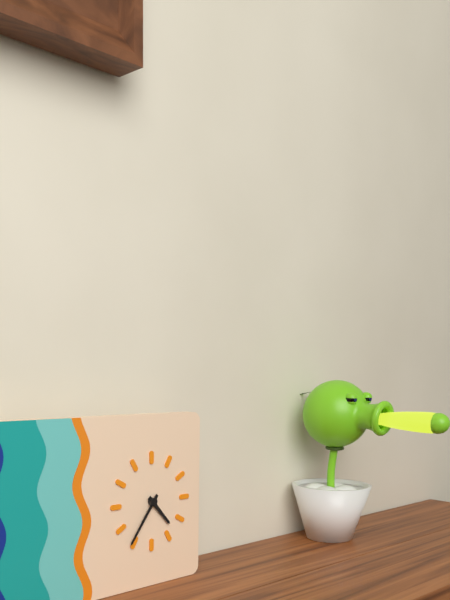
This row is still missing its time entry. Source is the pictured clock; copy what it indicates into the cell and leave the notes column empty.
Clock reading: 4:36
